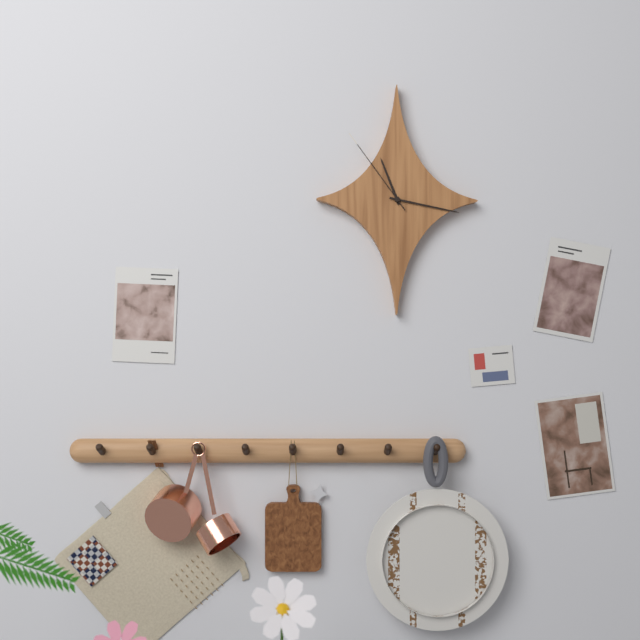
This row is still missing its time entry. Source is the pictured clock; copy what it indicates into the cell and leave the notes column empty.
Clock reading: 11:17:54
